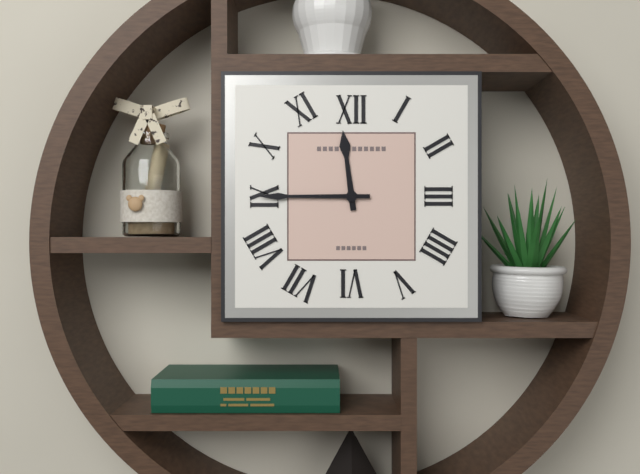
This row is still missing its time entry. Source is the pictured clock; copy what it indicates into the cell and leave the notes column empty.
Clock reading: 11:45
